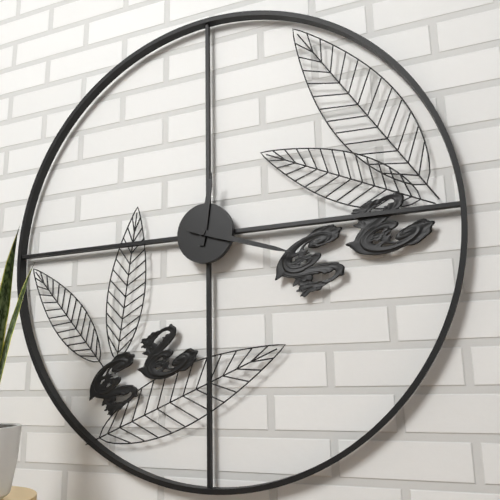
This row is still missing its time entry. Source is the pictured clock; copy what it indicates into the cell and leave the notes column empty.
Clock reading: 12:18
